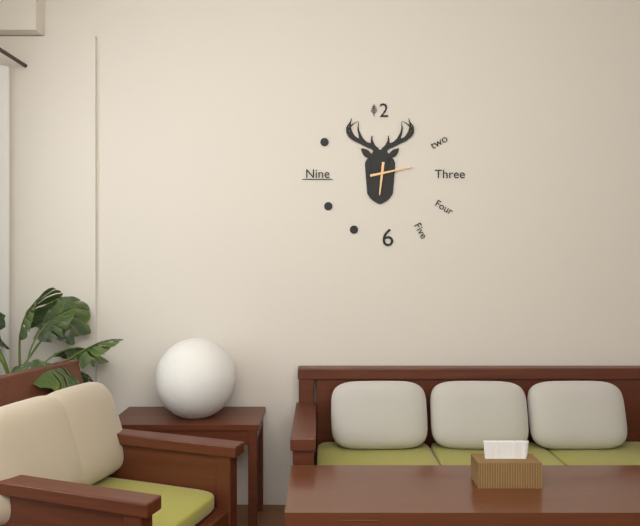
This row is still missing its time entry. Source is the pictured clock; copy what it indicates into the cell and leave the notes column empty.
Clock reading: 6:13
